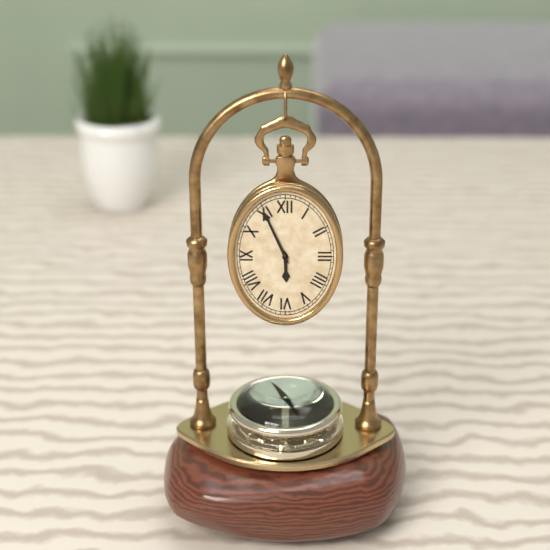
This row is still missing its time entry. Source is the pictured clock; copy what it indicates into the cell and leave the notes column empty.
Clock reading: 5:56
